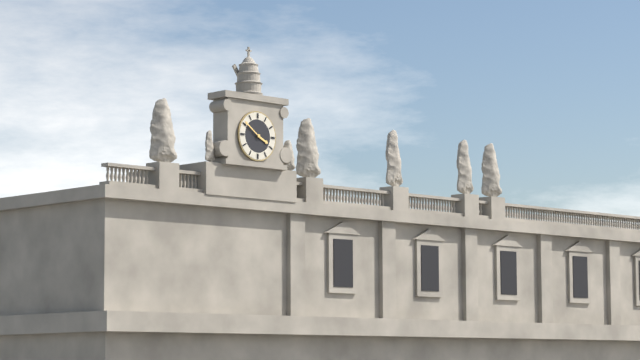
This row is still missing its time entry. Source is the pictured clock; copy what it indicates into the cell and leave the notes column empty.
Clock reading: 3:51
